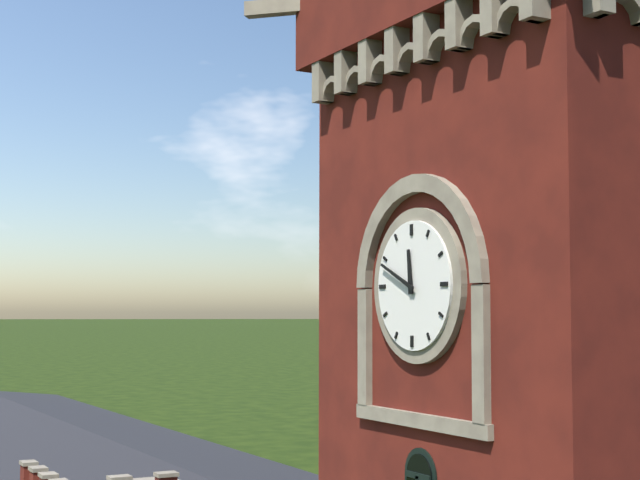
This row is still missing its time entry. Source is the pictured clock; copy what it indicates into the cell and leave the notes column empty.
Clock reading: 11:49
